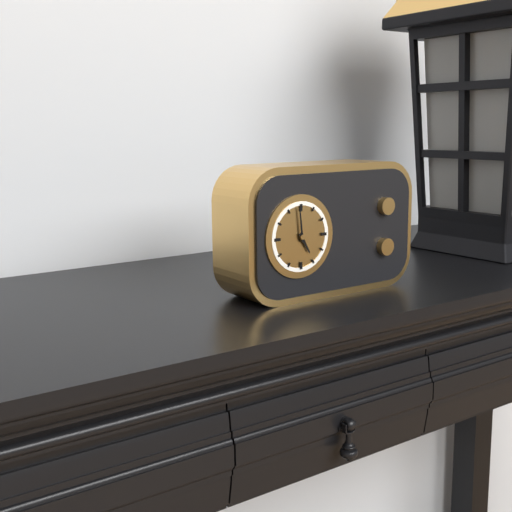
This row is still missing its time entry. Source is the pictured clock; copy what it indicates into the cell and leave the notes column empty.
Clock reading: 4:59
